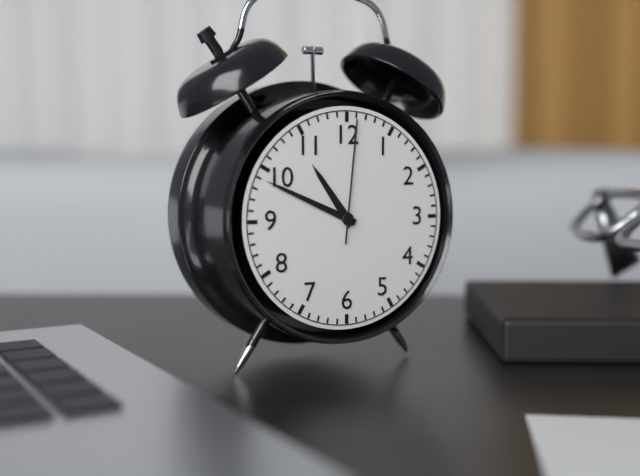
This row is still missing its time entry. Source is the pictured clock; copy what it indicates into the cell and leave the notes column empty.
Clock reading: 10:49:01
